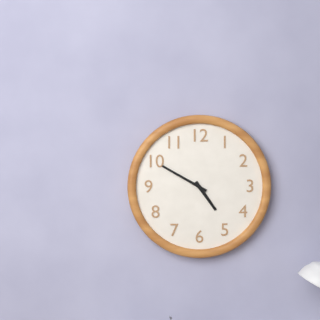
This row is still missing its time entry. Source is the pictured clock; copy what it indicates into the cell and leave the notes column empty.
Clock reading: 4:50
